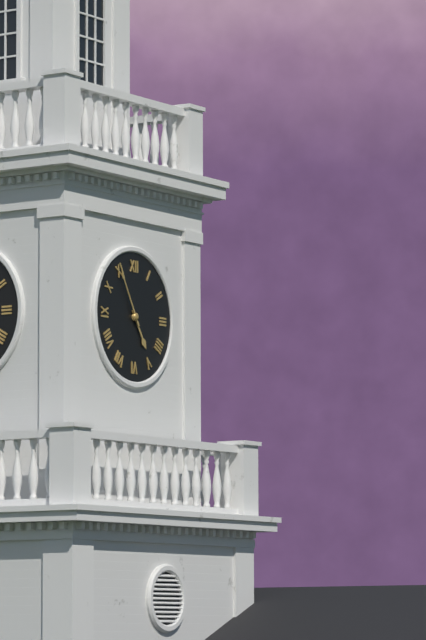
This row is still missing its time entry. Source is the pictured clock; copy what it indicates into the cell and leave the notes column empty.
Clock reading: 4:55
